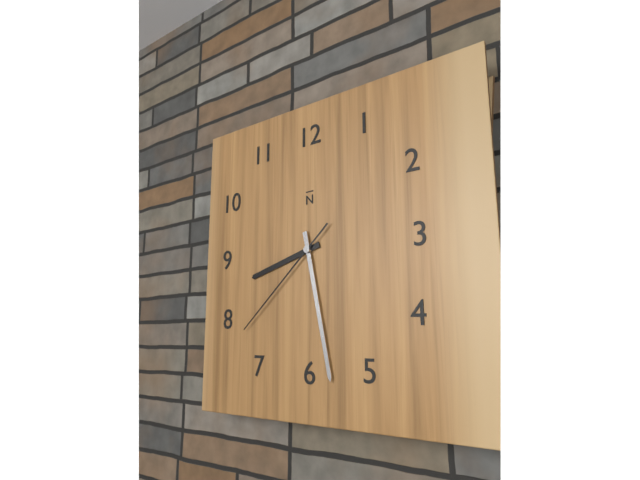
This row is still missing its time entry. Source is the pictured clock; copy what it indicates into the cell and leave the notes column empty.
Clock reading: 8:28:38
